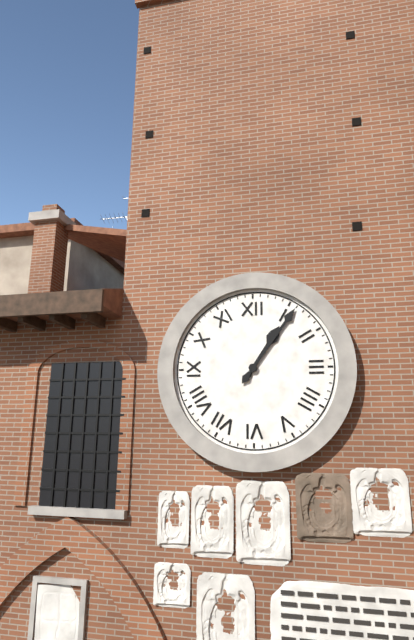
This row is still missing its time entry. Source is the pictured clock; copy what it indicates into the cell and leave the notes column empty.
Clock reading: 1:06
